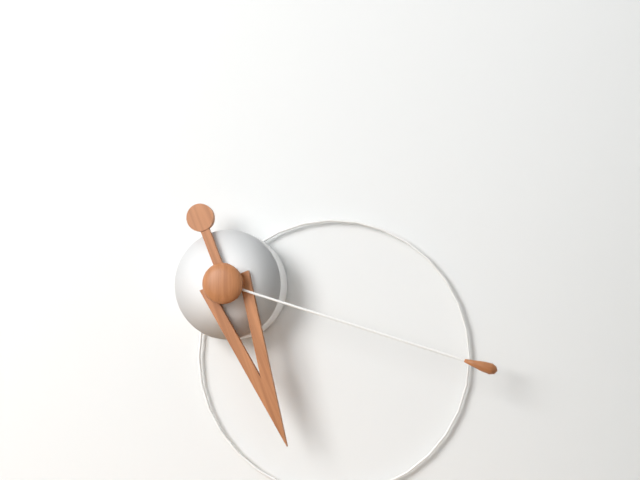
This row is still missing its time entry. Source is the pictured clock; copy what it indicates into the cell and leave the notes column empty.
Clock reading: 5:18
